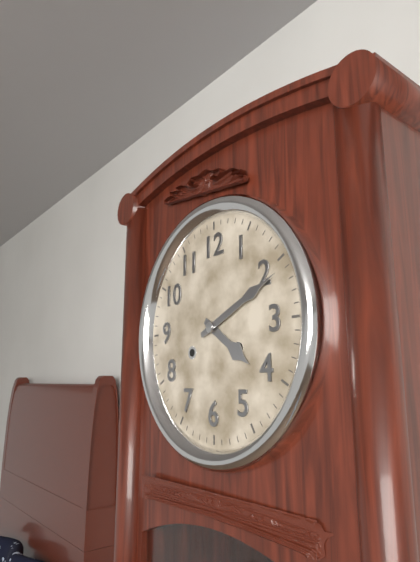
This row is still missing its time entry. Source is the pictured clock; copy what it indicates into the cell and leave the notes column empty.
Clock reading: 4:11
